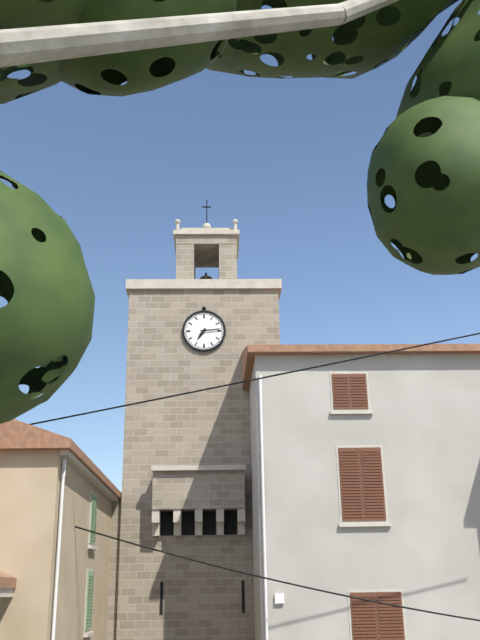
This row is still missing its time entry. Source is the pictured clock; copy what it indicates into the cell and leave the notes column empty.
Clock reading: 7:14
